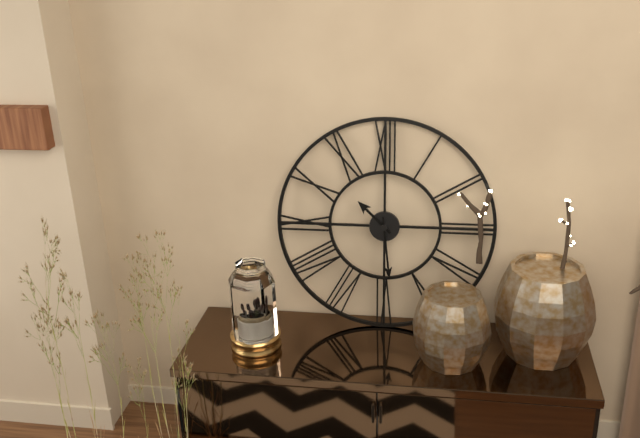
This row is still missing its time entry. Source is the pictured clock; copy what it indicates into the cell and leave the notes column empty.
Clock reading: 10:29
